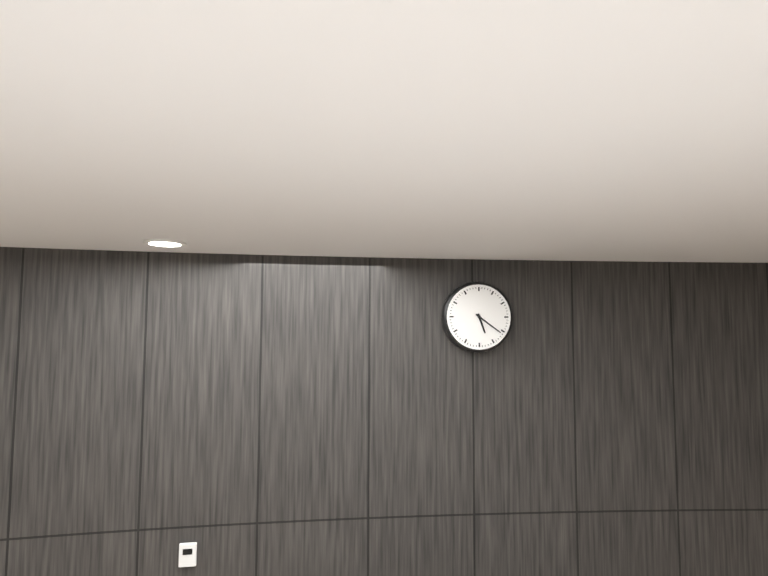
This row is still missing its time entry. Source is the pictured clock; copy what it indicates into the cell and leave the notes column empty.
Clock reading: 5:21
